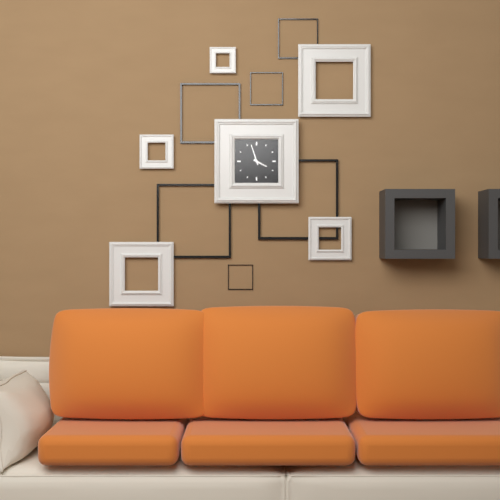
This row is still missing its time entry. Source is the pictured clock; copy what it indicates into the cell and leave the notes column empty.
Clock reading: 3:57
